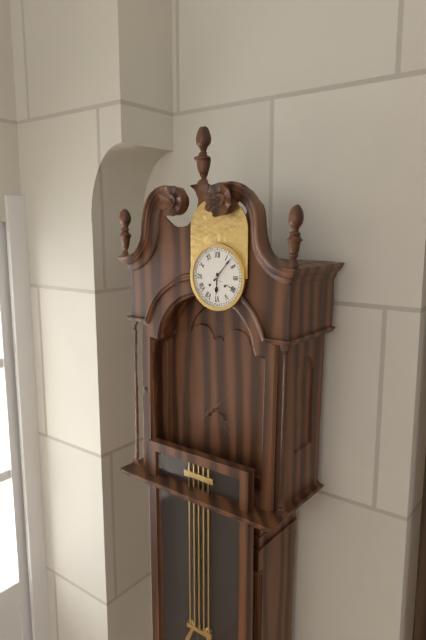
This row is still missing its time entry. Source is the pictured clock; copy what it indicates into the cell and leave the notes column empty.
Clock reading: 6:07
